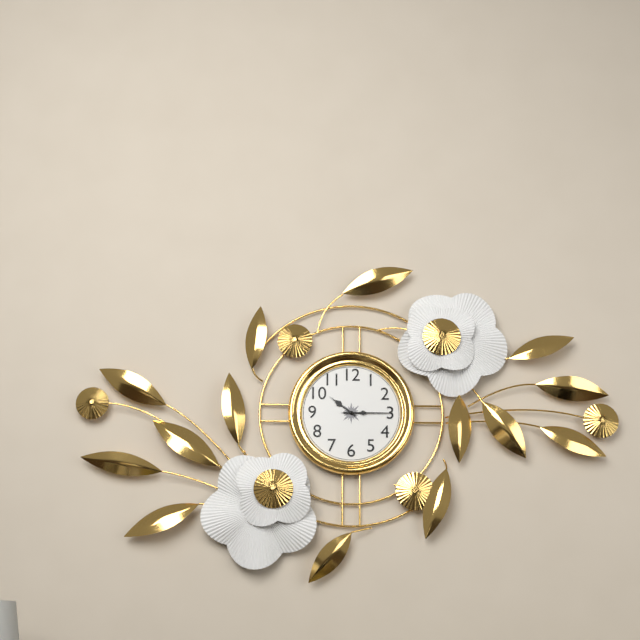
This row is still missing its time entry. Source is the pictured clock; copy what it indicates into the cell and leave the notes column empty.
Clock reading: 10:15
